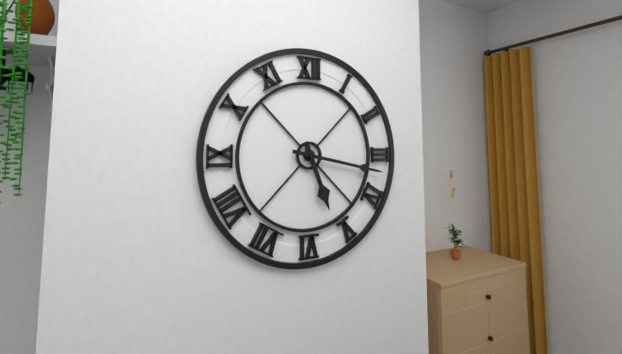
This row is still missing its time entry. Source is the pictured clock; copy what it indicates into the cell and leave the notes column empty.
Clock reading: 5:17
